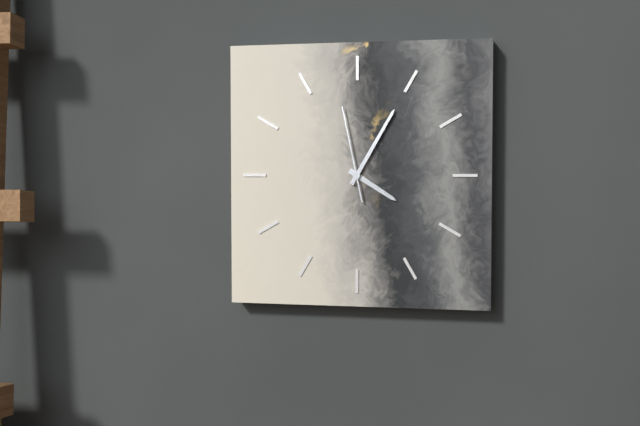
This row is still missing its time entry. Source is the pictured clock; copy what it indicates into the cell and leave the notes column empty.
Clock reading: 4:05:58
